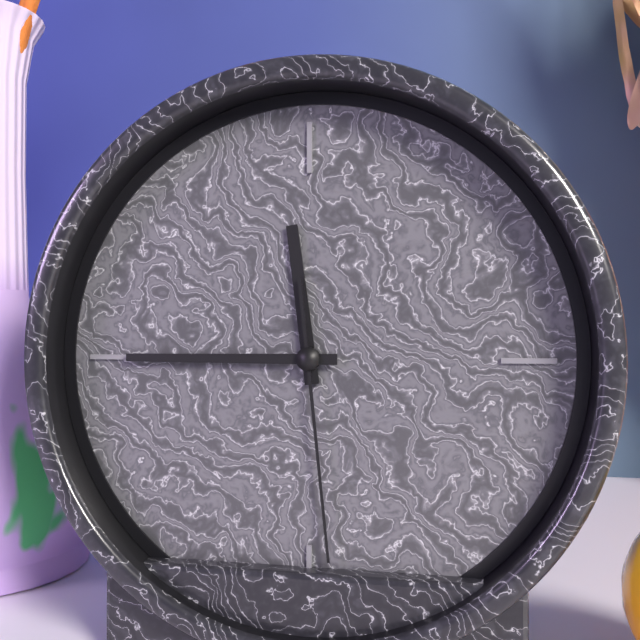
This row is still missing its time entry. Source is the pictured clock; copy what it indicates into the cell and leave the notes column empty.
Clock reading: 11:45:29
